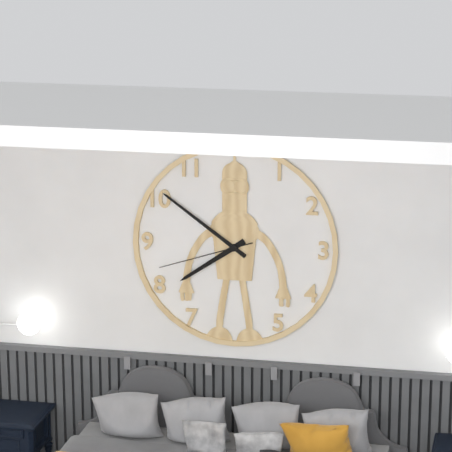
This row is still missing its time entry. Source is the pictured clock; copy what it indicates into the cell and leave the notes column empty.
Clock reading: 7:51:42
